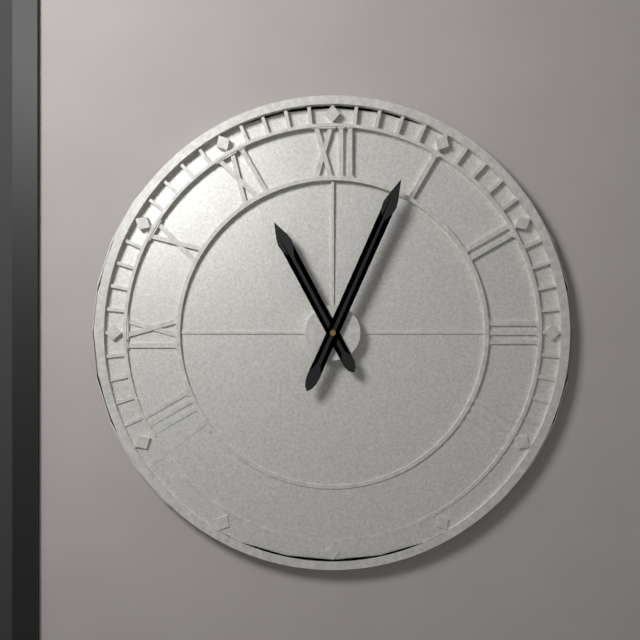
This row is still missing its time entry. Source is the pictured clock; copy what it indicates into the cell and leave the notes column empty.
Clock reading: 11:04
